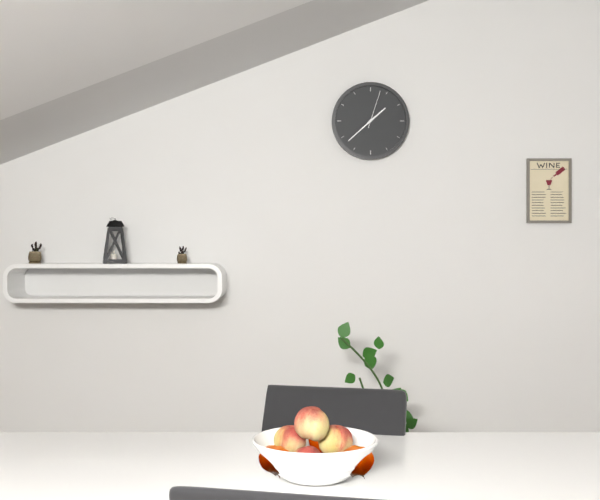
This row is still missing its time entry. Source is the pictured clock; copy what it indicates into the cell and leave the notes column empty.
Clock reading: 1:38
